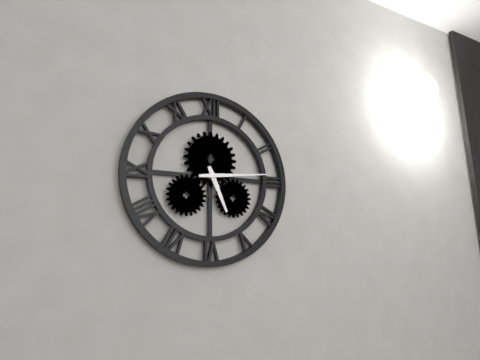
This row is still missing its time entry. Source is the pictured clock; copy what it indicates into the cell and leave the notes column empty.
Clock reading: 5:14
